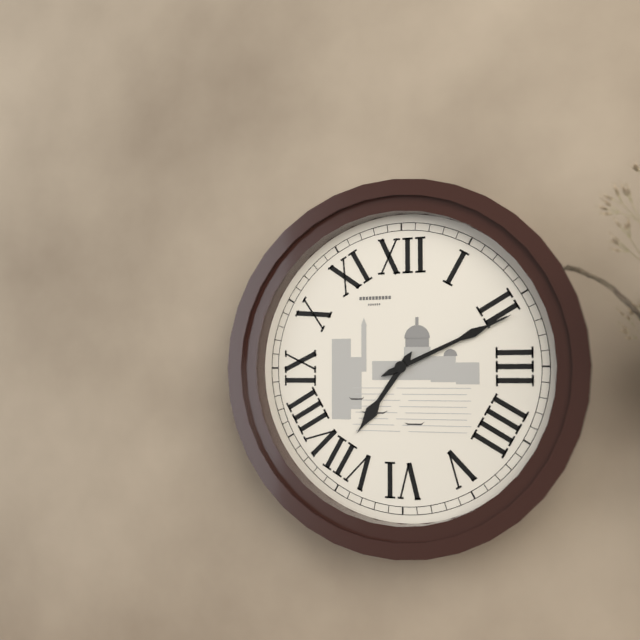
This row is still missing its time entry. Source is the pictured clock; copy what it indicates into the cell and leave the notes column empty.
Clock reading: 7:11
